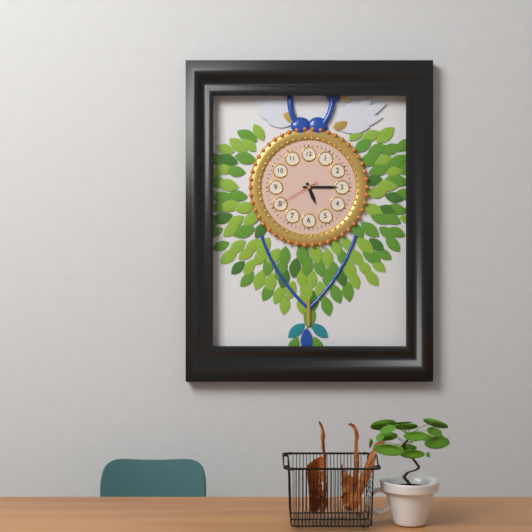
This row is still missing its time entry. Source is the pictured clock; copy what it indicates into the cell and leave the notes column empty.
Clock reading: 5:15
